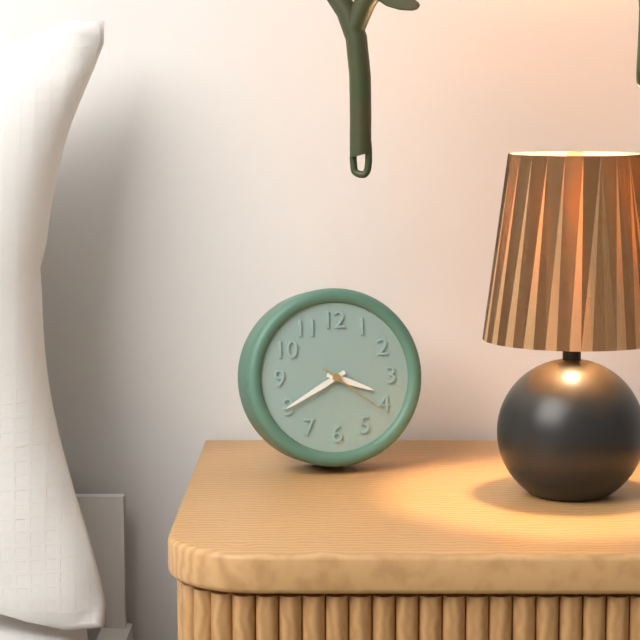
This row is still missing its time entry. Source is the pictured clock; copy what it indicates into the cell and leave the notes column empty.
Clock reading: 3:40:21
